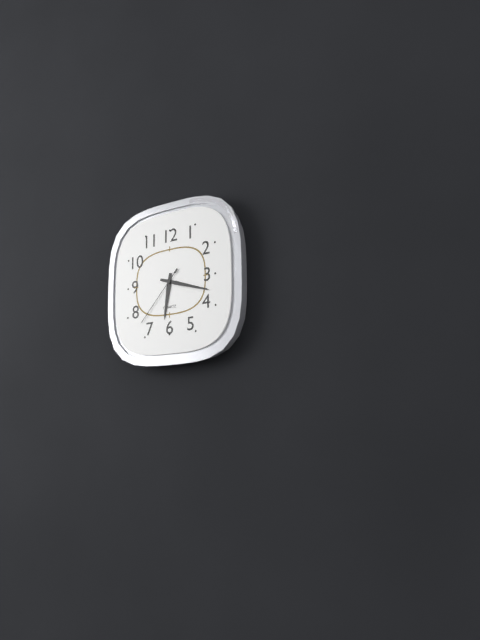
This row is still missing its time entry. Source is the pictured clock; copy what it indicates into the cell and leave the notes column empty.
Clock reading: 6:18:37
